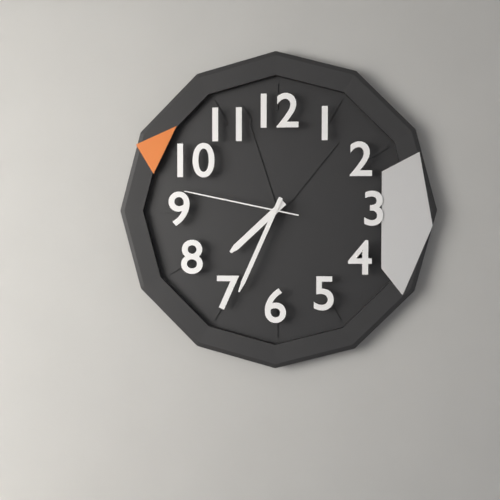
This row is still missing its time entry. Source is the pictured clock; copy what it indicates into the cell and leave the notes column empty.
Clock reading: 7:34:47
